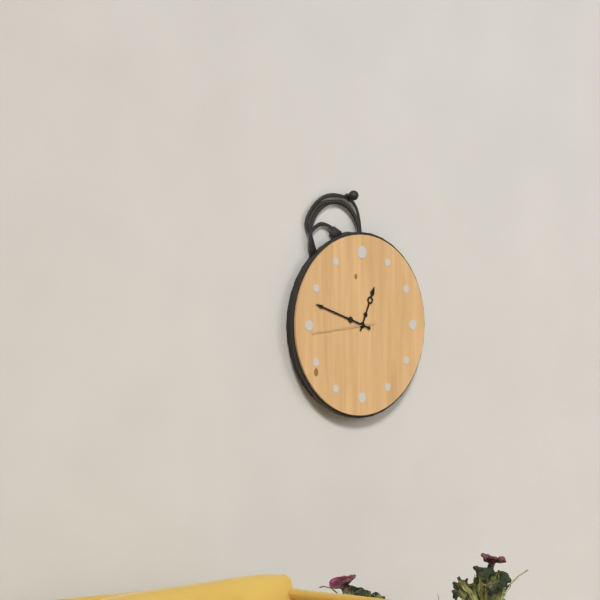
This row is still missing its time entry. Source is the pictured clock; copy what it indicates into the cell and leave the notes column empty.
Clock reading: 12:48
